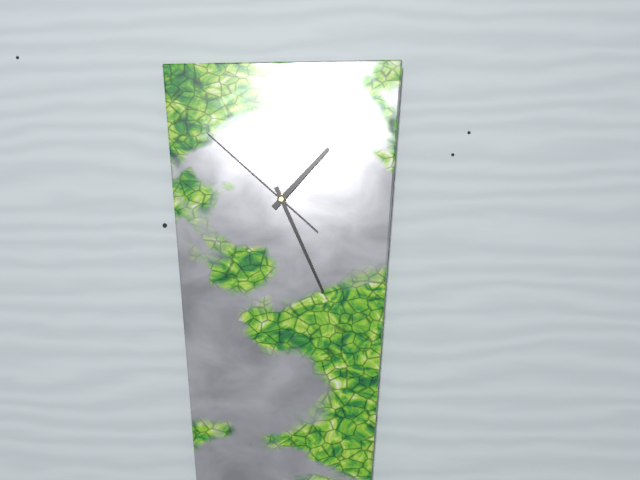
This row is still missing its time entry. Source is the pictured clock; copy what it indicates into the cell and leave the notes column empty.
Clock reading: 1:26:52
